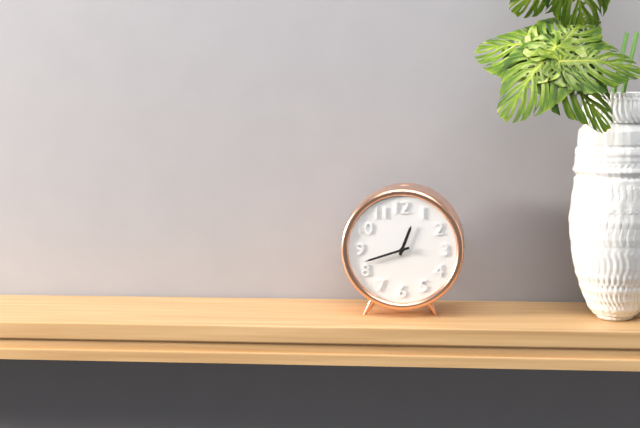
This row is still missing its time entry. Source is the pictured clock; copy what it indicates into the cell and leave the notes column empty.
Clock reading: 12:42
